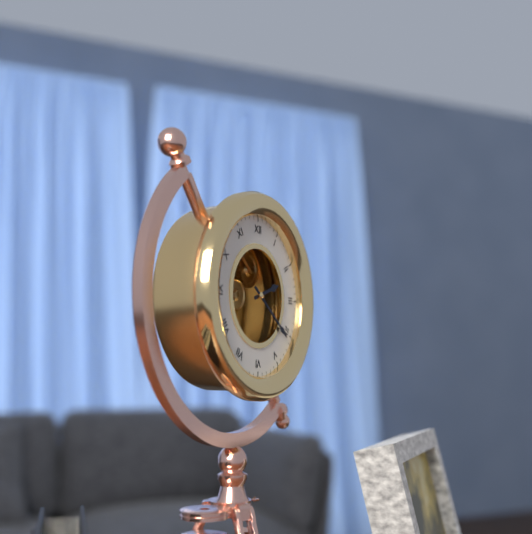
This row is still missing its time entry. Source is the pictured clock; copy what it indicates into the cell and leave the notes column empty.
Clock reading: 2:21
